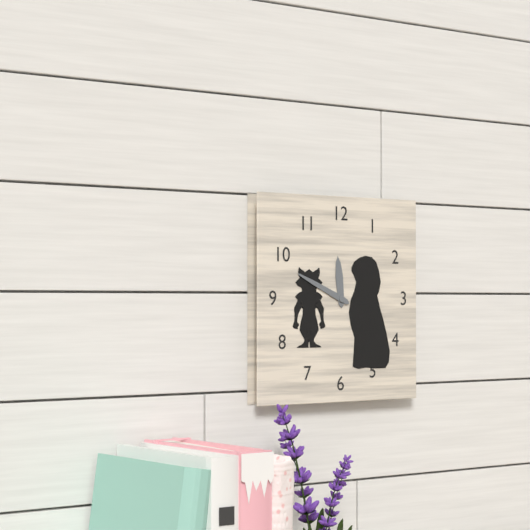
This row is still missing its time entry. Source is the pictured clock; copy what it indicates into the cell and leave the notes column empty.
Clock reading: 11:49
